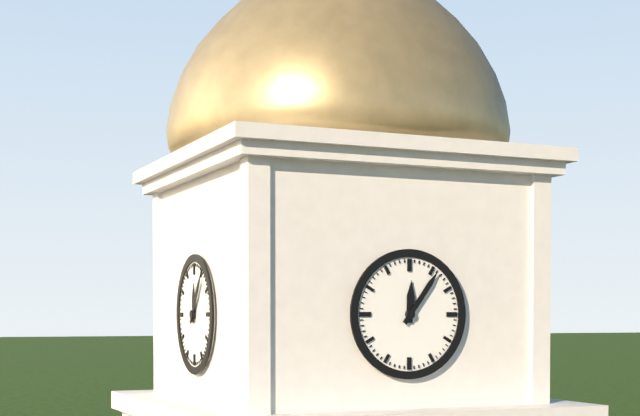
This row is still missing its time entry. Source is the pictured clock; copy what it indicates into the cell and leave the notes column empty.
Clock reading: 12:06
